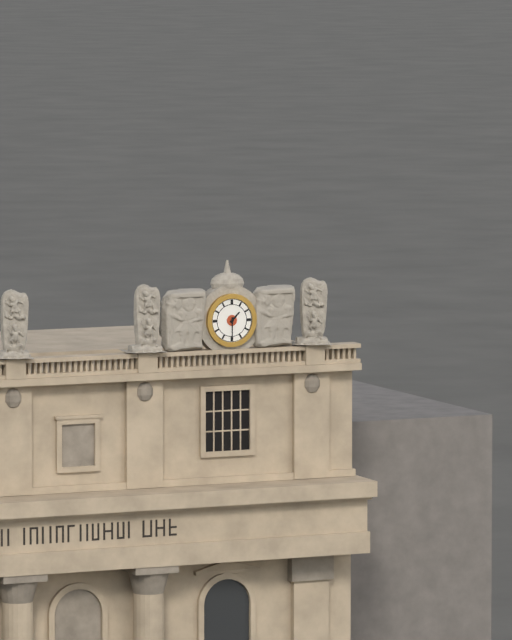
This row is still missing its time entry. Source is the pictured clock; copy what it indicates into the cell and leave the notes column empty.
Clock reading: 1:30
